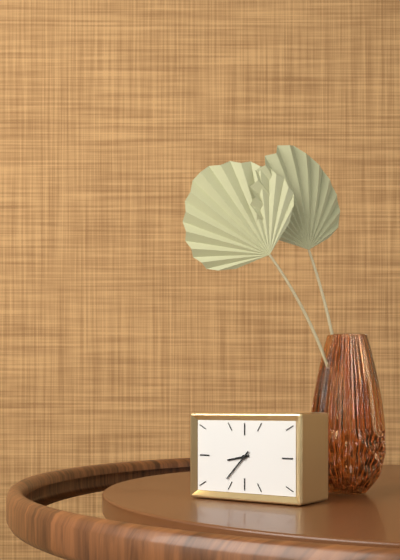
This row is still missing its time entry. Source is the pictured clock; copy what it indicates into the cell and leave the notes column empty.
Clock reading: 8:37
